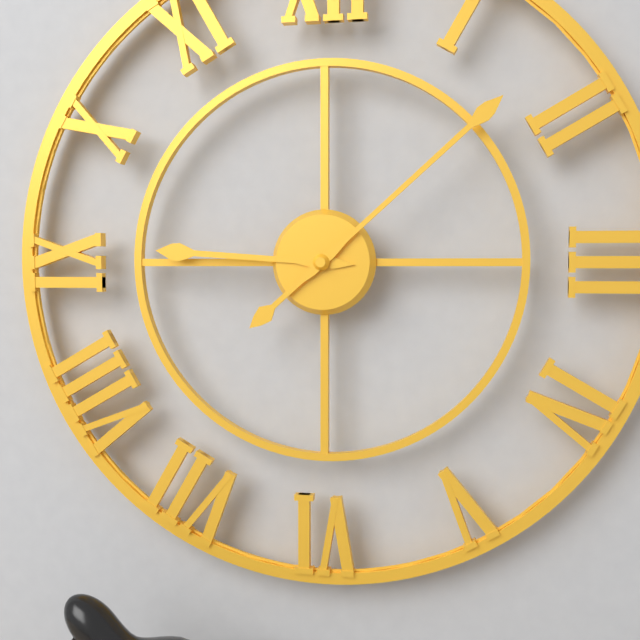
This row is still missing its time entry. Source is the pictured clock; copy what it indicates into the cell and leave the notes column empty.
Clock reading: 9:08
